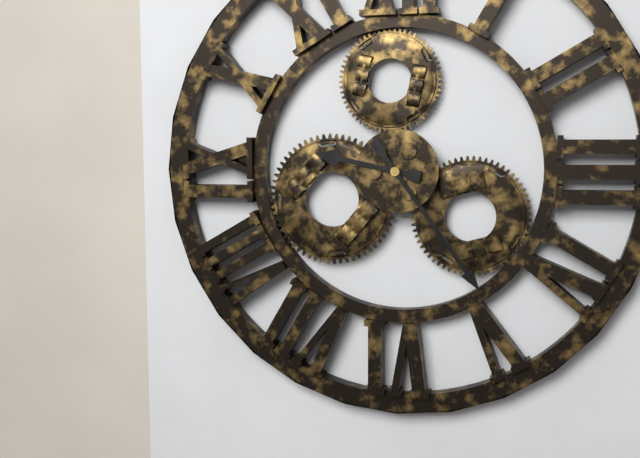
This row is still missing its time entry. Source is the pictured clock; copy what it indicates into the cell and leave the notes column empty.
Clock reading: 9:24
